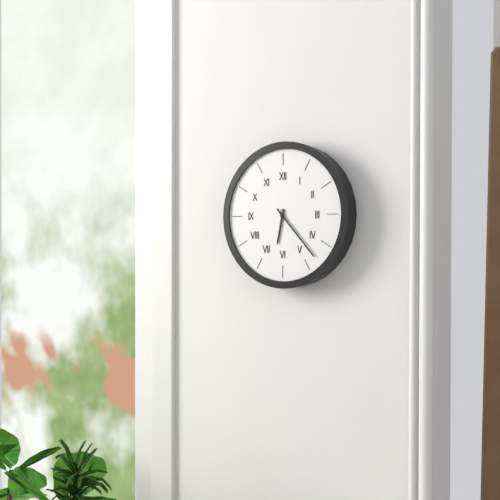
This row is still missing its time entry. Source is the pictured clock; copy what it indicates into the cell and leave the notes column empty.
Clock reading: 6:23
